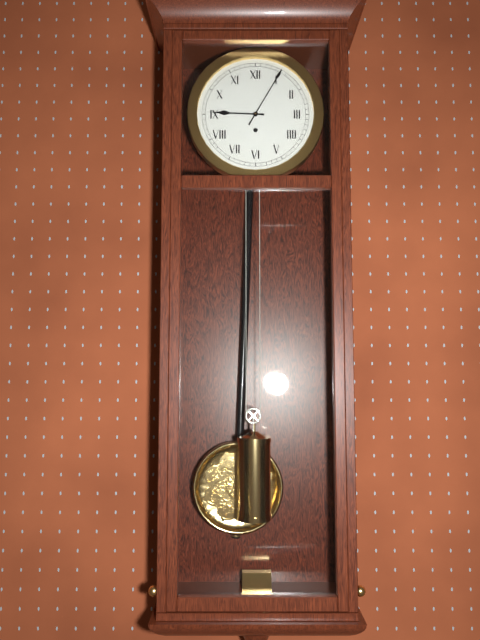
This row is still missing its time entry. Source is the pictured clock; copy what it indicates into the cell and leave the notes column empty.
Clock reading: 9:05
